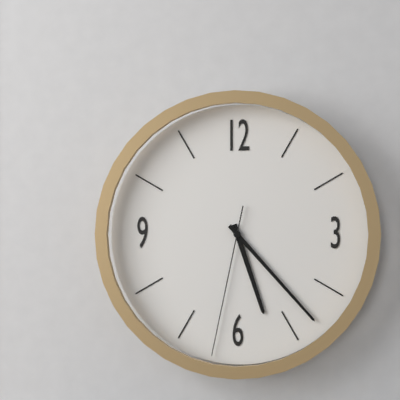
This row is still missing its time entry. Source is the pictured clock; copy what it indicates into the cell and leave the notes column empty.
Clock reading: 5:23:32
